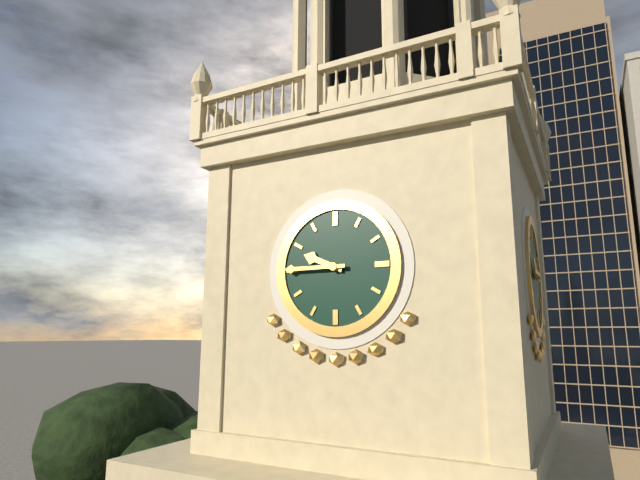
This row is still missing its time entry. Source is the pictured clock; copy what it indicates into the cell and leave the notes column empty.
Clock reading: 9:45
